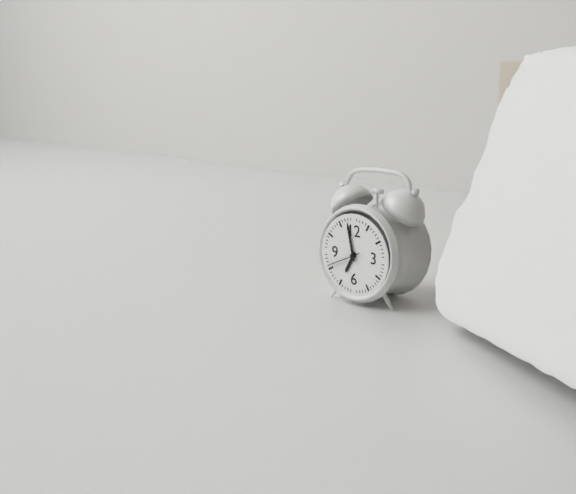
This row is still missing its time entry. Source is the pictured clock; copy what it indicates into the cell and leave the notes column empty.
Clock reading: 6:58
